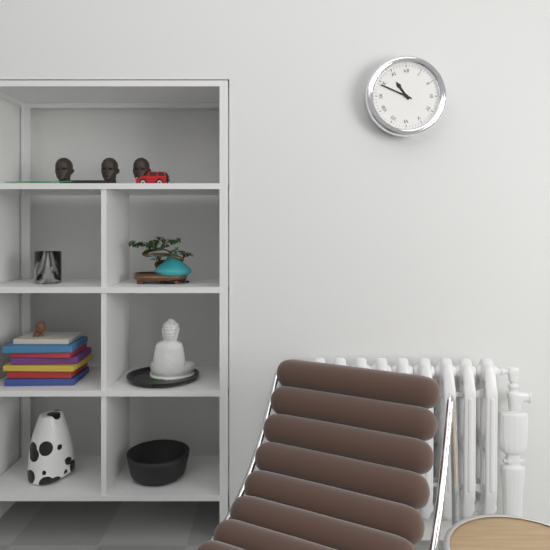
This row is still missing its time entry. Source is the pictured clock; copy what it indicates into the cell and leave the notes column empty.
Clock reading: 10:49
